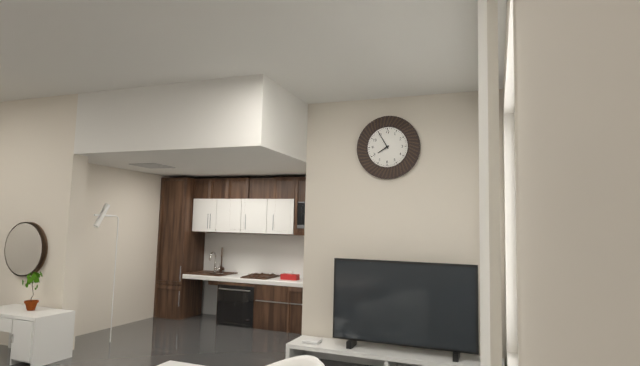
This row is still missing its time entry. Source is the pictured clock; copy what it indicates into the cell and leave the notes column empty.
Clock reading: 7:55
